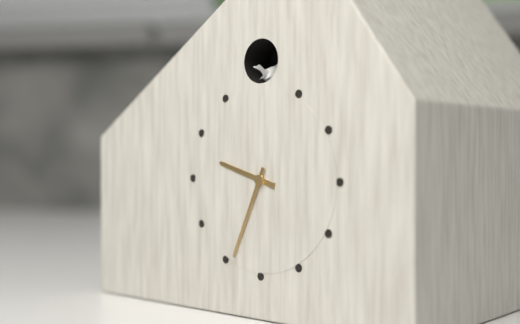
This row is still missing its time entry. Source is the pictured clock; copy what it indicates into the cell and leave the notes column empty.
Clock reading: 9:34
